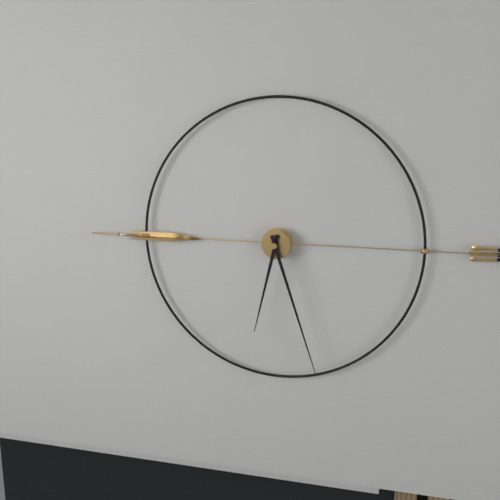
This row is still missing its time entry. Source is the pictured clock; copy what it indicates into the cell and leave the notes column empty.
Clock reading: 6:27
